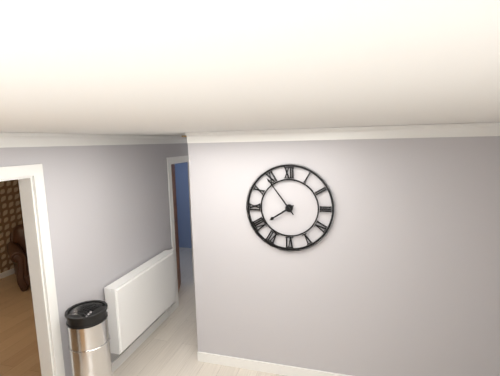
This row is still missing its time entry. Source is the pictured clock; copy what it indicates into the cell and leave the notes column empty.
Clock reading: 7:54
